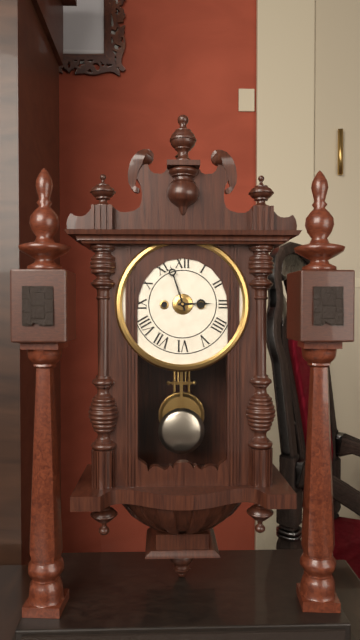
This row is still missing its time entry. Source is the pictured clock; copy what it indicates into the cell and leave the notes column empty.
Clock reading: 2:57
